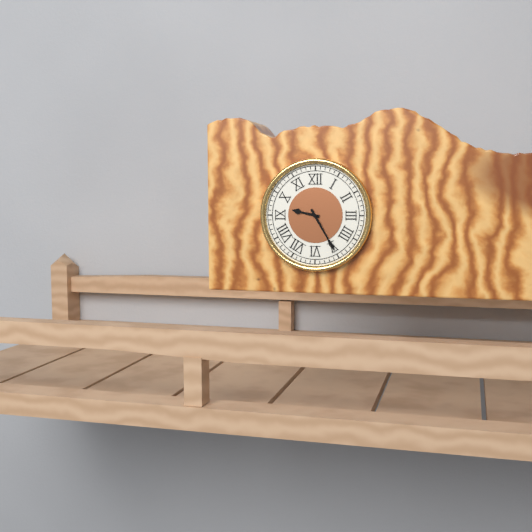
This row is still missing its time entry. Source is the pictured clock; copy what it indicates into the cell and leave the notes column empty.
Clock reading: 9:25
